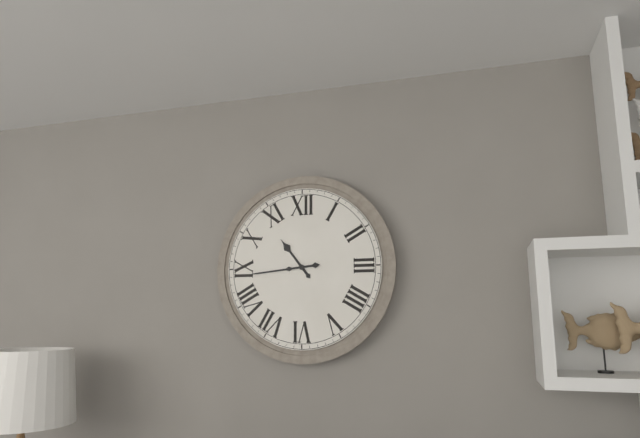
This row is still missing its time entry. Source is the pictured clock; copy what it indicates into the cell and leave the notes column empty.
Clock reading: 10:44
